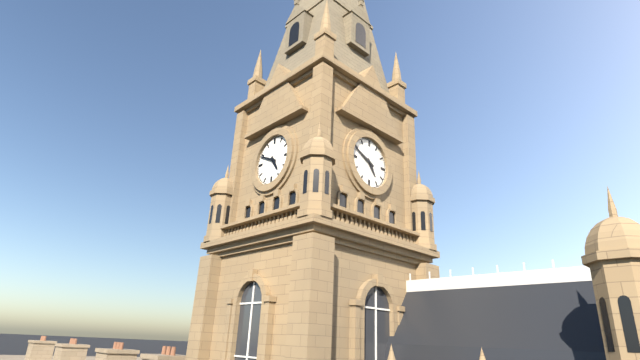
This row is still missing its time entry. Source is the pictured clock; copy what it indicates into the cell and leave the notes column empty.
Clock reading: 4:49
